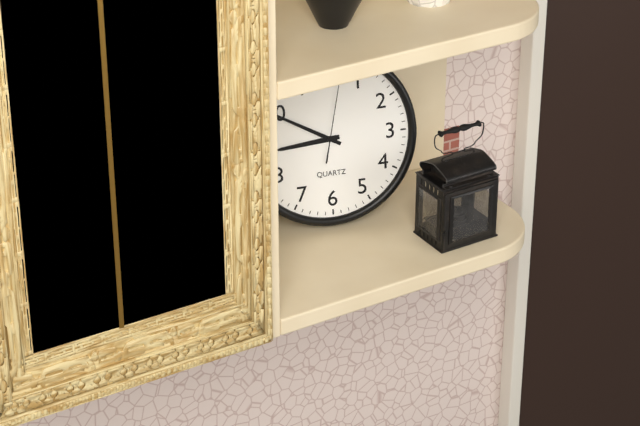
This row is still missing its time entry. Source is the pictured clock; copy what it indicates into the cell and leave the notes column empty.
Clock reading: 8:50:02
